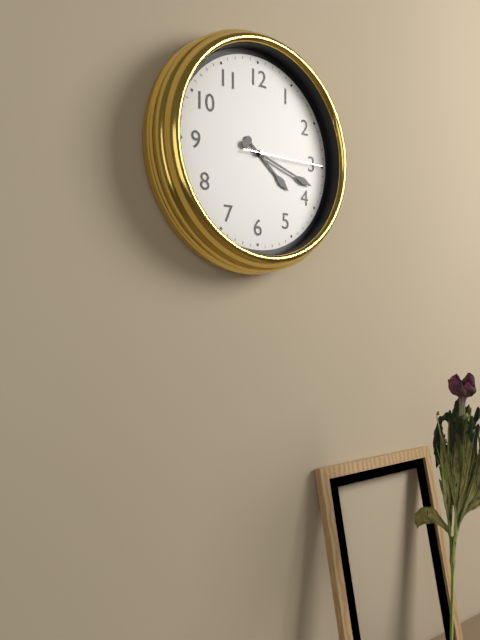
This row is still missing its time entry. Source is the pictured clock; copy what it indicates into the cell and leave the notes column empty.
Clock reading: 4:18:15
